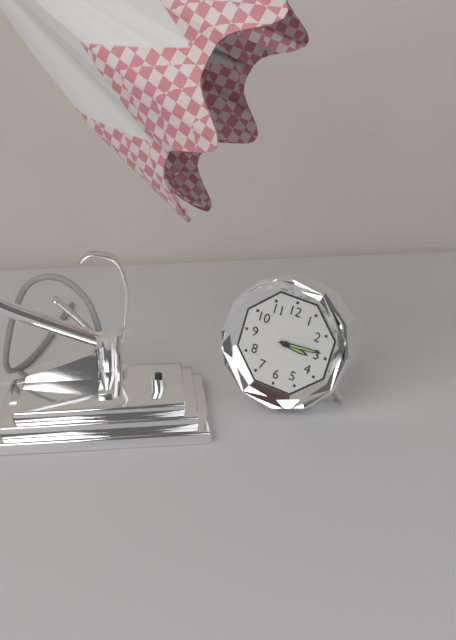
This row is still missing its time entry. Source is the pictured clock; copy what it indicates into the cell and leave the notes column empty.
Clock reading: 3:14
